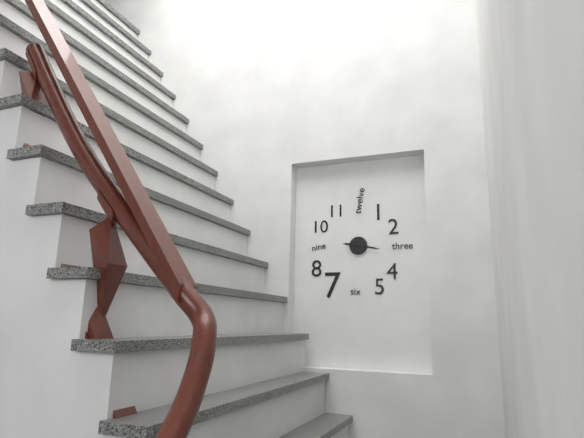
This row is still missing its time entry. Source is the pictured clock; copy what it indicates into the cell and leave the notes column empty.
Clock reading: 9:17
